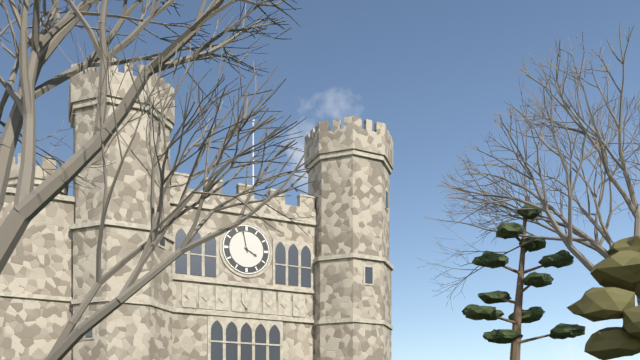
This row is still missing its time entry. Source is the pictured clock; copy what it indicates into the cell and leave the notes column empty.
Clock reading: 3:58
